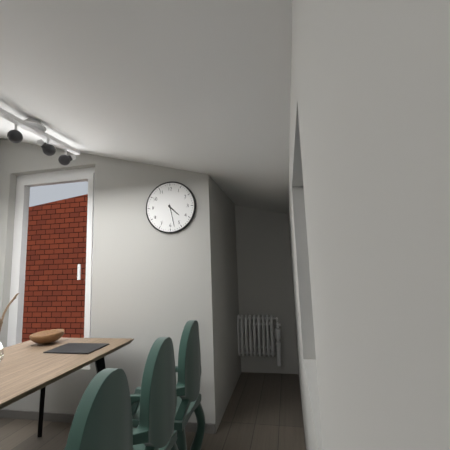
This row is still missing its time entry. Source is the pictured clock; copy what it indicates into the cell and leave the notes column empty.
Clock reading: 4:28
